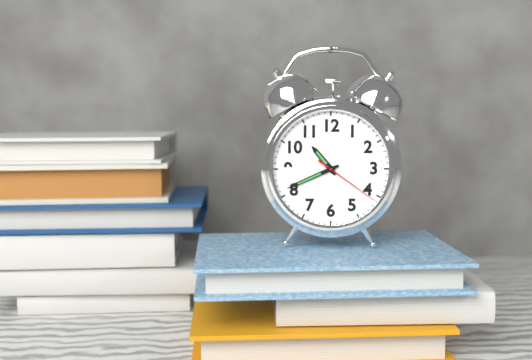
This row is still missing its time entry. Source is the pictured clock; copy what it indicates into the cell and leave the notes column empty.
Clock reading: 10:41:21
